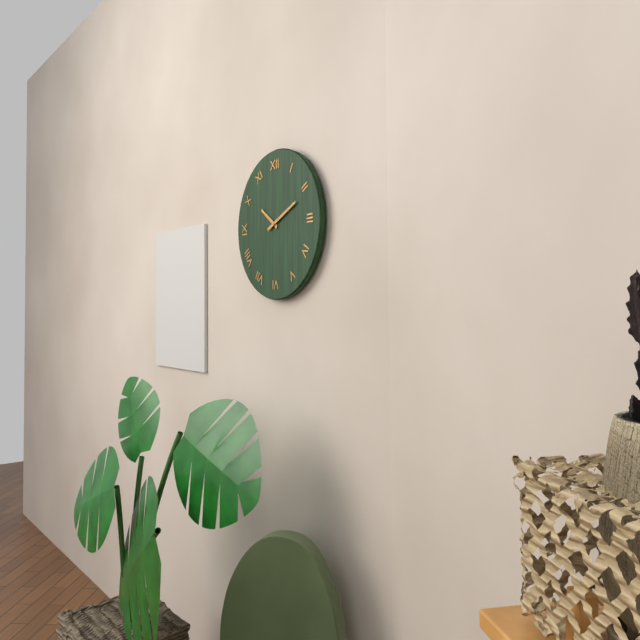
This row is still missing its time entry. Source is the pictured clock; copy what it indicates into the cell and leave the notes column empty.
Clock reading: 10:11
